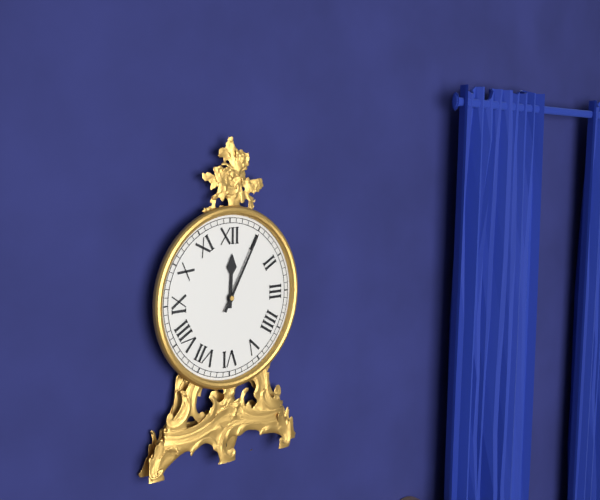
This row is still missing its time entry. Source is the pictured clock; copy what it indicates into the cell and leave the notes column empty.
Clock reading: 12:05
